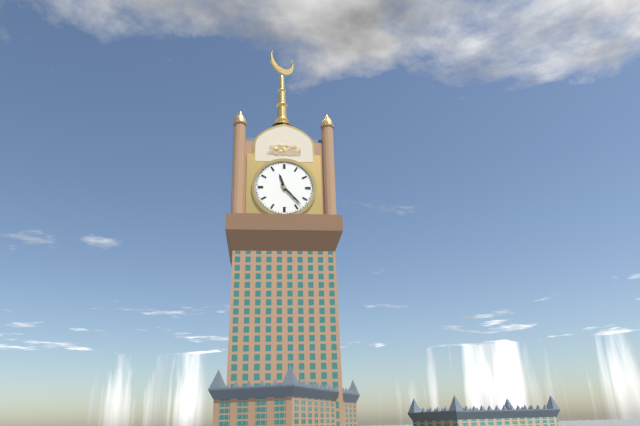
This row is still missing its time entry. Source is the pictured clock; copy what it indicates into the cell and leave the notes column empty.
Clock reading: 11:23
